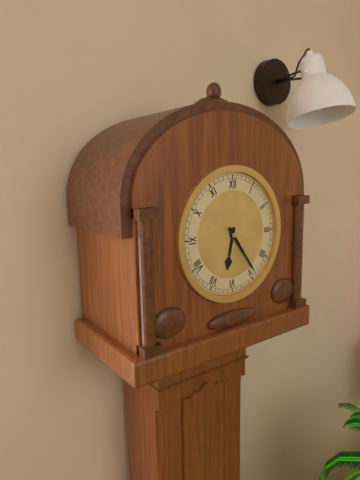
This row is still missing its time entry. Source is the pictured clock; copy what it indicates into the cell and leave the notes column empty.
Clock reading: 6:24
